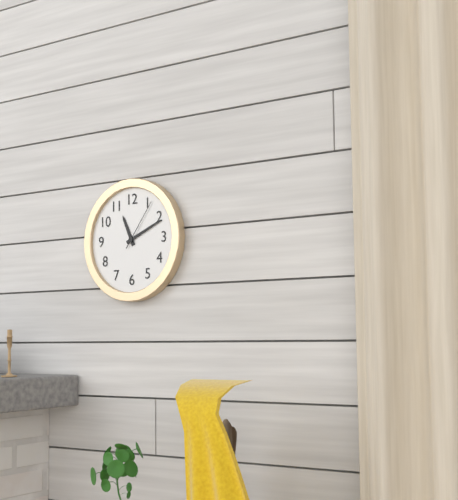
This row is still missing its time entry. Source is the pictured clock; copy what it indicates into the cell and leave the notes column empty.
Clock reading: 11:11:06
